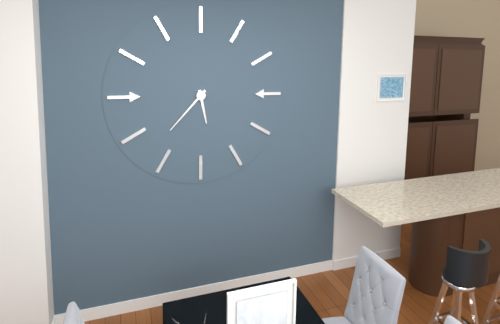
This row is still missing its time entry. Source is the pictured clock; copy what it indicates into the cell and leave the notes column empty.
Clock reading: 5:37
